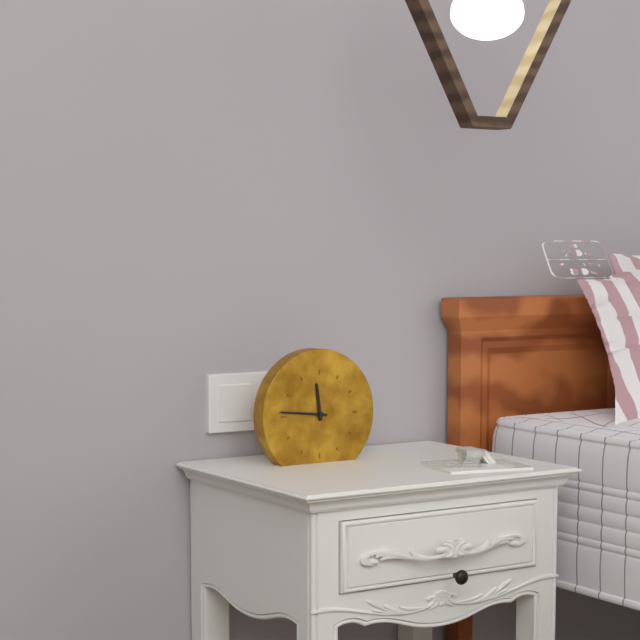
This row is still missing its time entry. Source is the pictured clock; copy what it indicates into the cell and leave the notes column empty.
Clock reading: 11:46
